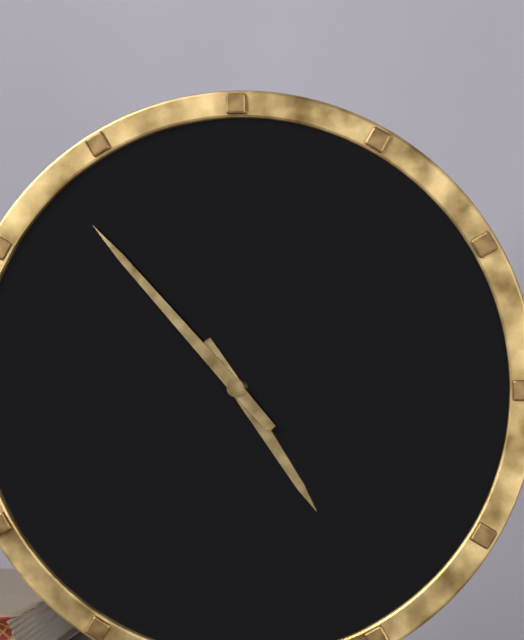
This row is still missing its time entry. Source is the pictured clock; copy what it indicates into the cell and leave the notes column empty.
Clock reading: 4:53
